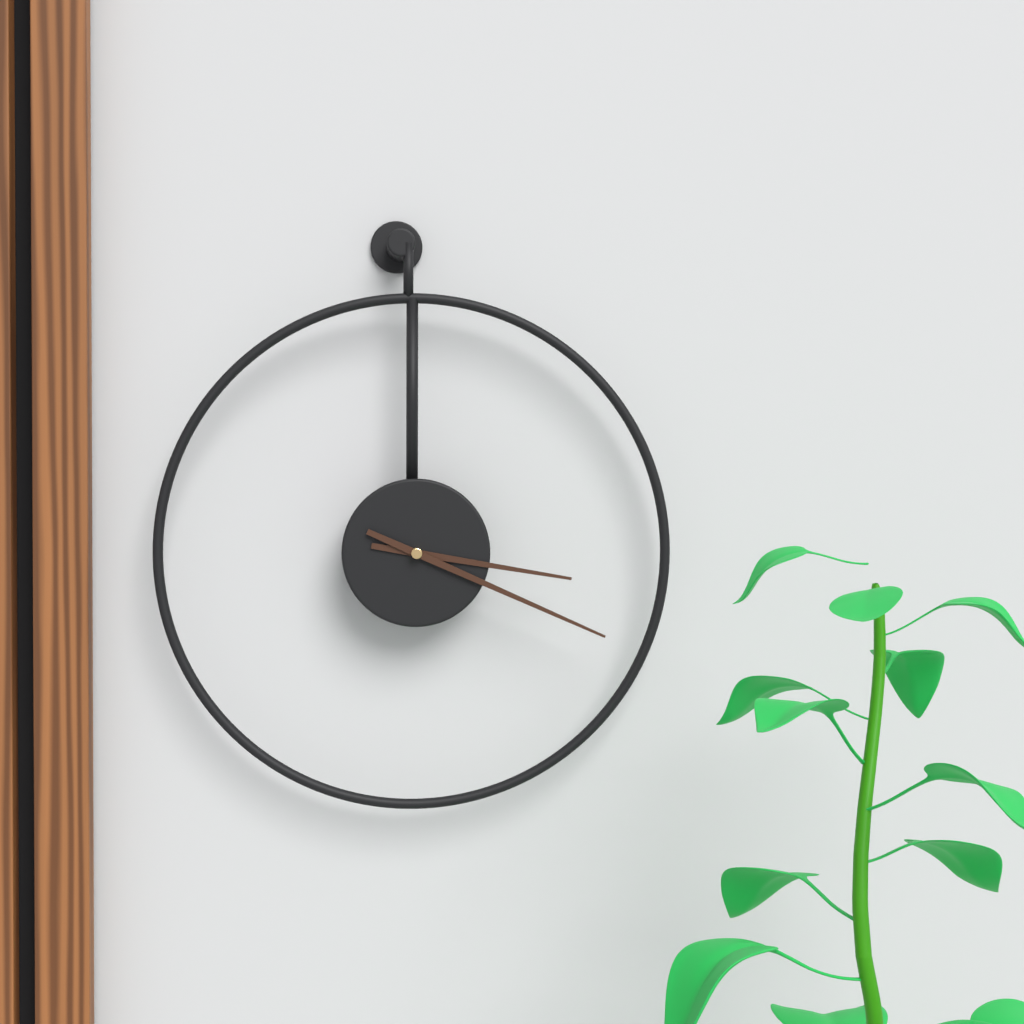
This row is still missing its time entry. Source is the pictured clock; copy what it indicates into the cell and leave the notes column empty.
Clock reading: 3:19
